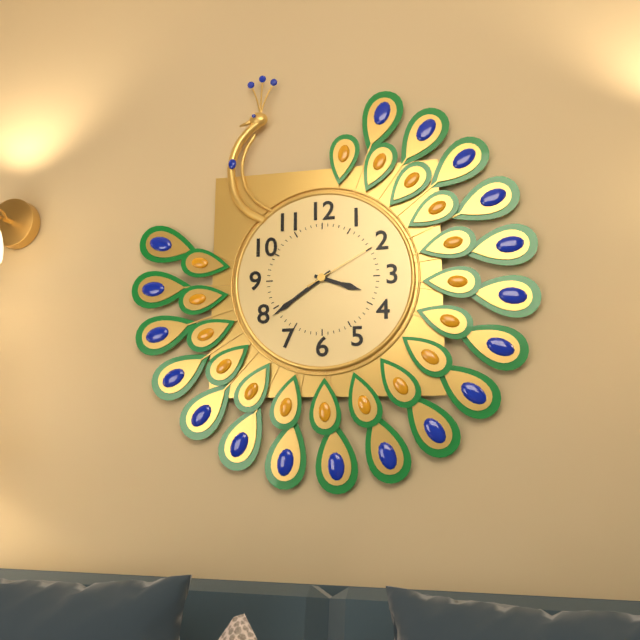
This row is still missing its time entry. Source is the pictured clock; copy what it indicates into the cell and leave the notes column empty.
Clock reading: 3:39:10
